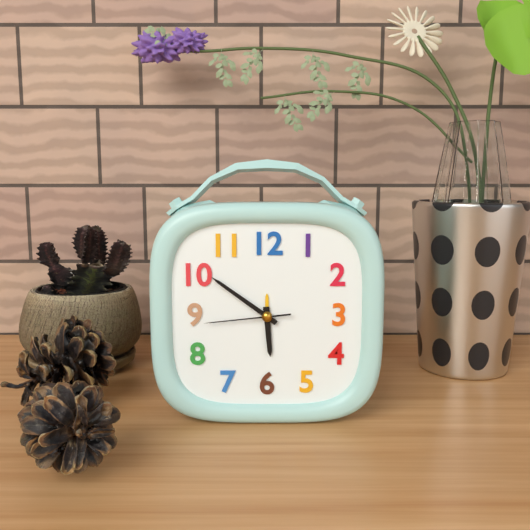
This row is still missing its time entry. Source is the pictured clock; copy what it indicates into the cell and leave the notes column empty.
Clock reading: 5:51:44
